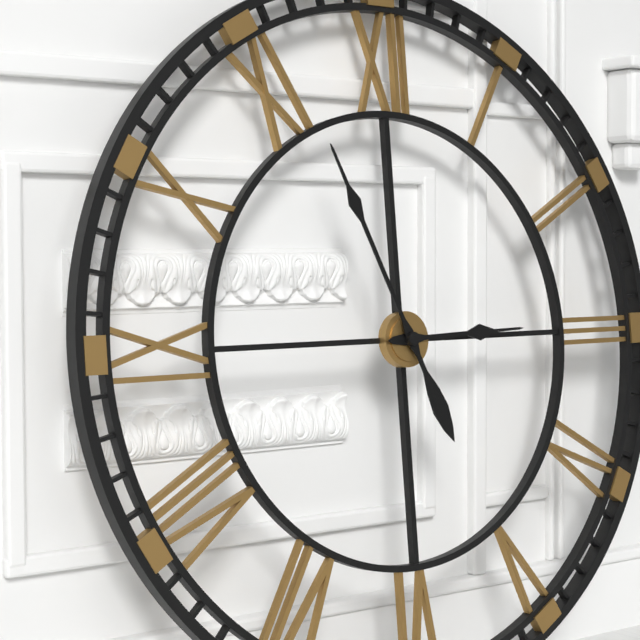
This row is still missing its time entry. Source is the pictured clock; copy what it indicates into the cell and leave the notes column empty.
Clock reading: 2:56
